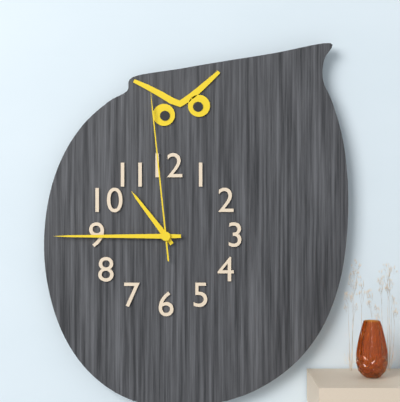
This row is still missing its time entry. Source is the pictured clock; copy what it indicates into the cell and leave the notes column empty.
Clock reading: 10:45:59
